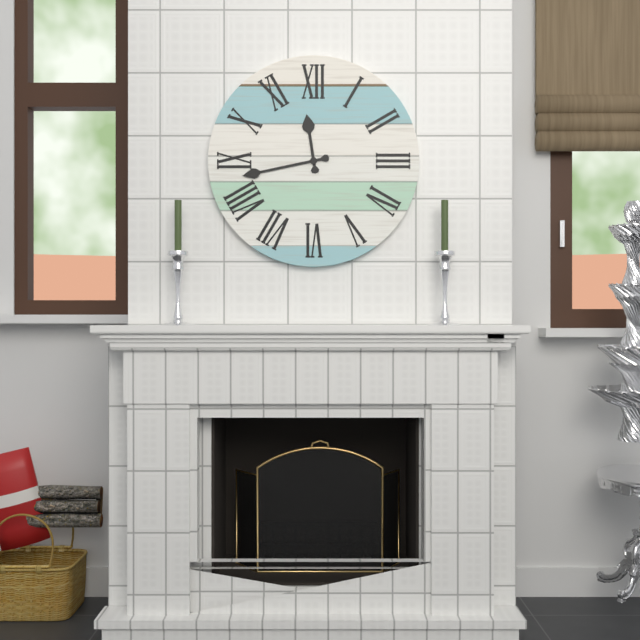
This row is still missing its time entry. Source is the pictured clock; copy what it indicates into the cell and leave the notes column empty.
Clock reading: 11:43
